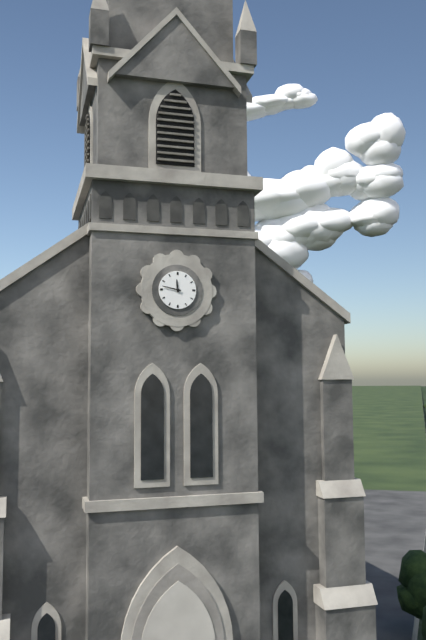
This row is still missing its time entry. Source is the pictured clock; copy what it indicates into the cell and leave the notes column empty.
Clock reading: 11:47
